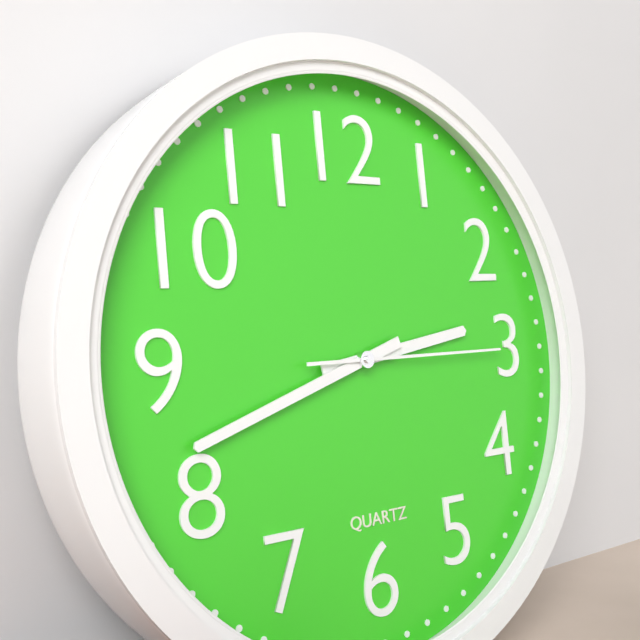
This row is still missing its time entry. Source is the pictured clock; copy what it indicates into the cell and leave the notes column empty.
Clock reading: 2:42:15
